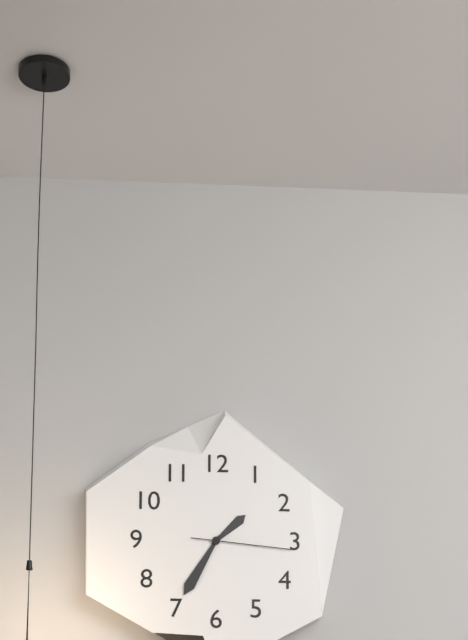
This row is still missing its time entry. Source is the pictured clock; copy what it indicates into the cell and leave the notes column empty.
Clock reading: 1:35:16
